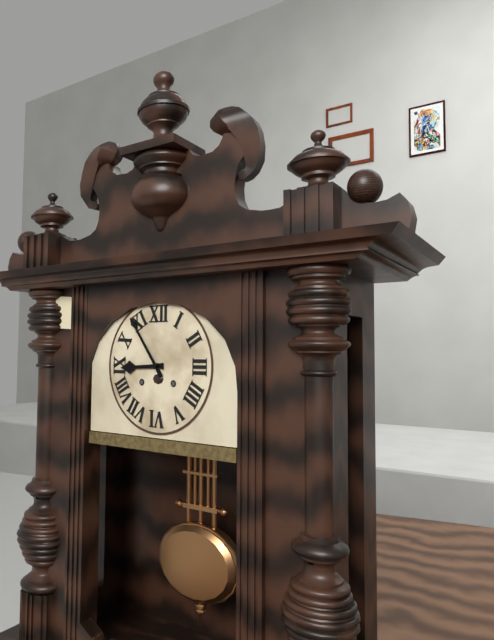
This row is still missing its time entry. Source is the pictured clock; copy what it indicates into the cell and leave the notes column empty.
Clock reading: 8:54
